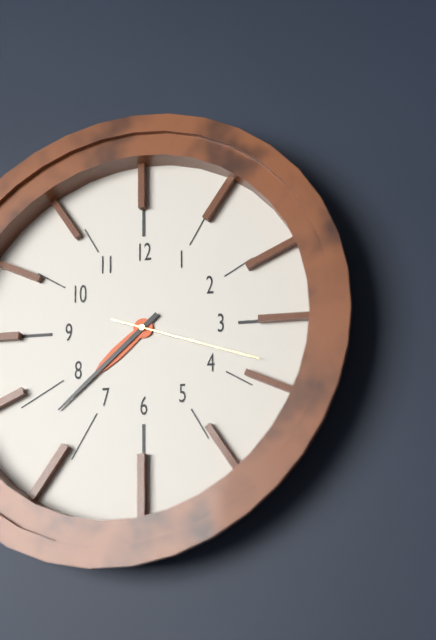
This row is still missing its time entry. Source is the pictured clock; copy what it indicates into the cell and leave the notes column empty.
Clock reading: 7:38:18
